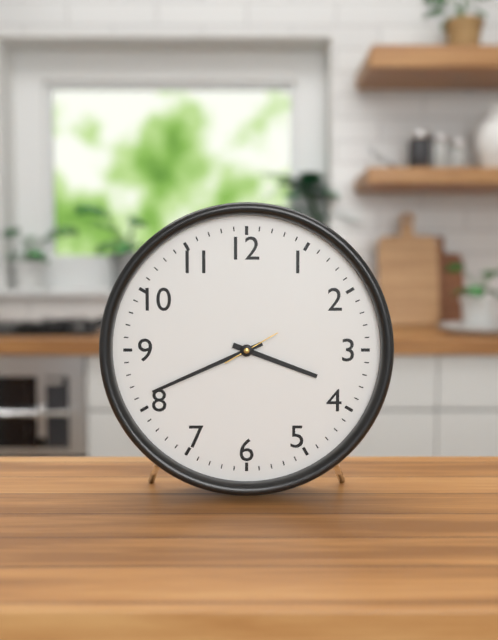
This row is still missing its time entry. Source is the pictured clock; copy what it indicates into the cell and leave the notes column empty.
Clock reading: 3:41
